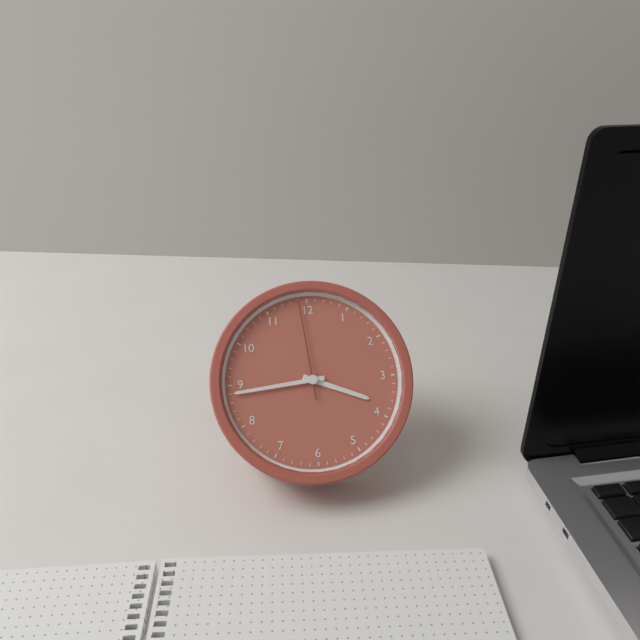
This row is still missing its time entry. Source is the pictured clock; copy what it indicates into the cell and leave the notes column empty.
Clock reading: 3:44:59
